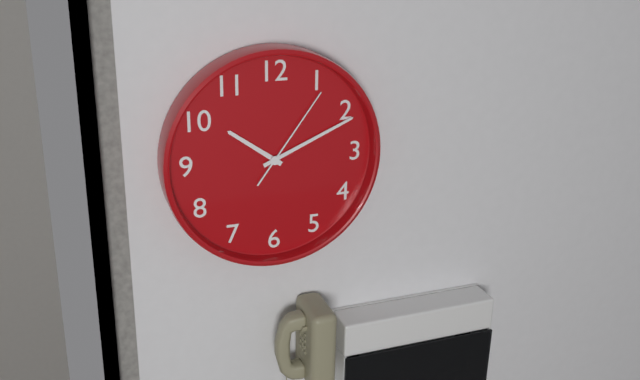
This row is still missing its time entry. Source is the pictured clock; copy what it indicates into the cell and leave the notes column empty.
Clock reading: 10:11:06
